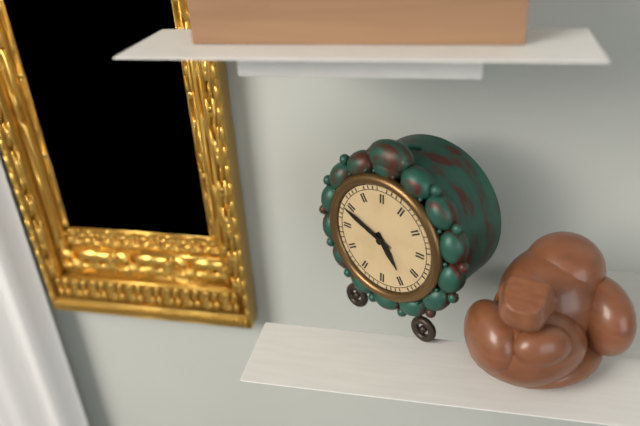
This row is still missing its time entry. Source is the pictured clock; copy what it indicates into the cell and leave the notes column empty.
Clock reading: 4:49
